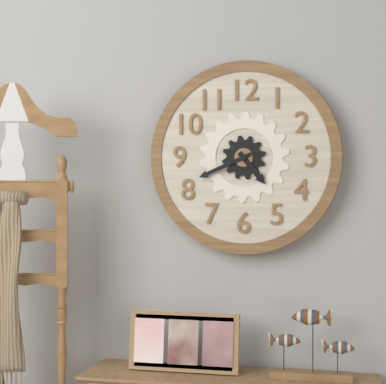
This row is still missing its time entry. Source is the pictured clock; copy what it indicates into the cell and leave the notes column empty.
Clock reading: 4:41
